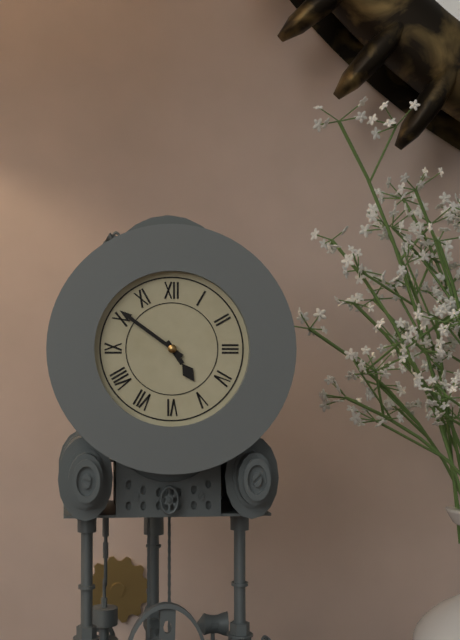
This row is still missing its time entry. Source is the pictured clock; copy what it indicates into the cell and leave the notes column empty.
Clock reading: 4:51
